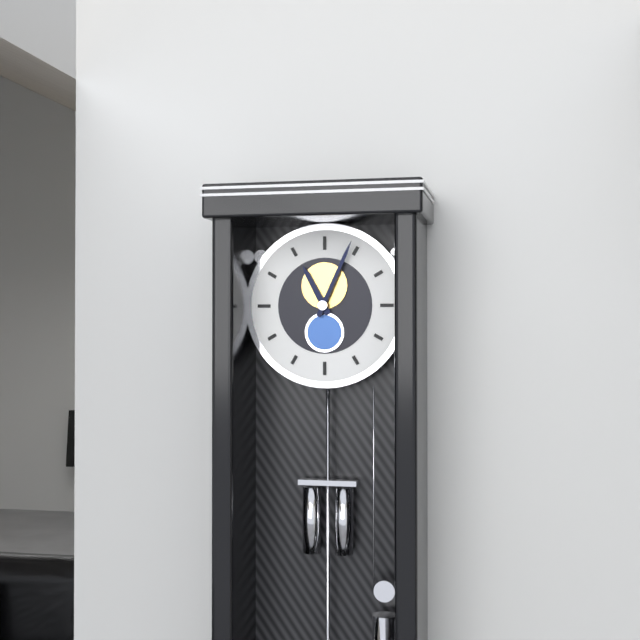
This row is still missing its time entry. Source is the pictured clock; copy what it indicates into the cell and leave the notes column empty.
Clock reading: 11:04
